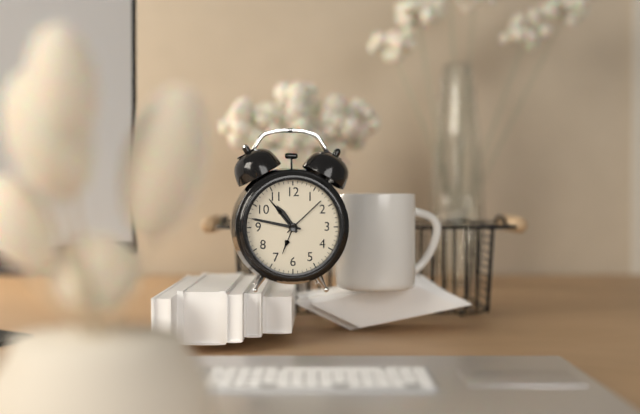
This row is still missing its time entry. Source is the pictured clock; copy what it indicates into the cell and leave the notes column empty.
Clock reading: 10:47
